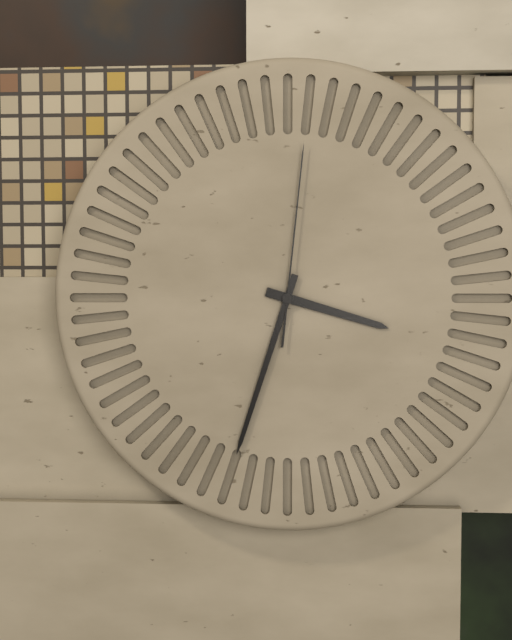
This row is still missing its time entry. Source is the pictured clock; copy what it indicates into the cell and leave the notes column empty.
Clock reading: 3:33:01
